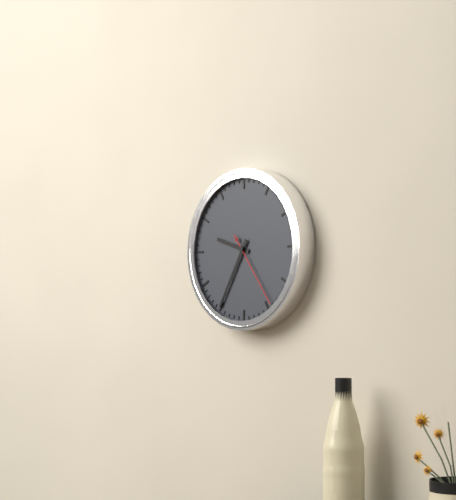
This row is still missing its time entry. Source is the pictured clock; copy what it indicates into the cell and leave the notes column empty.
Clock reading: 9:35:24
